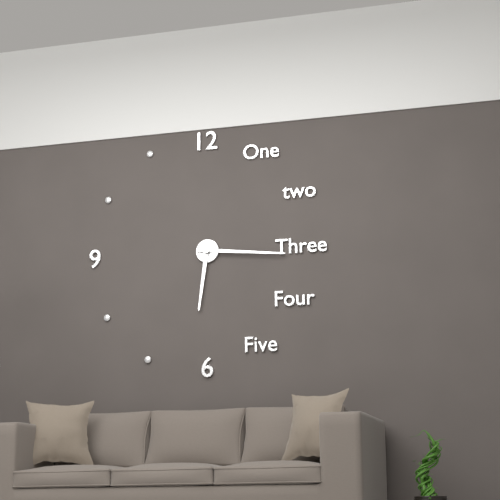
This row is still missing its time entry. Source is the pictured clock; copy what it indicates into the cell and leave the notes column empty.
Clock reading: 6:16
